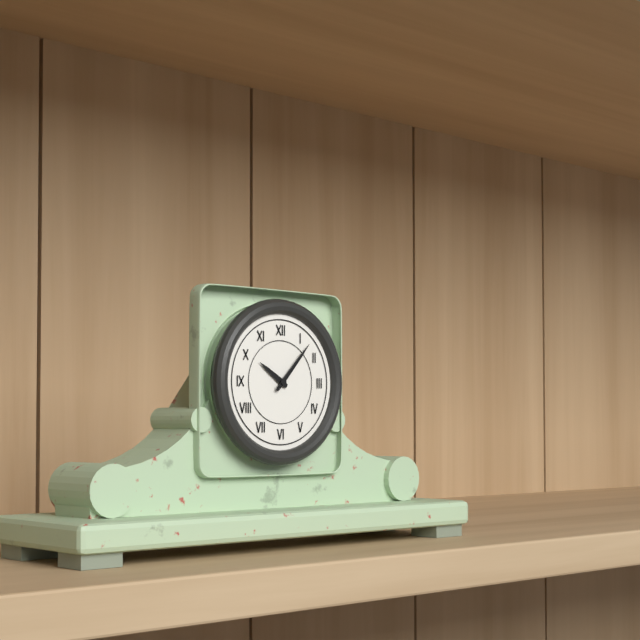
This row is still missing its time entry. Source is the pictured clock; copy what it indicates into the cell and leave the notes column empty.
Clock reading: 10:07
